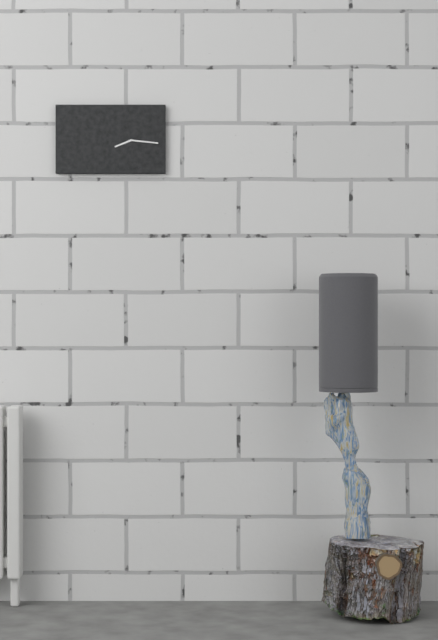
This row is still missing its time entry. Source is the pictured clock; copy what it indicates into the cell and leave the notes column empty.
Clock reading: 8:16
